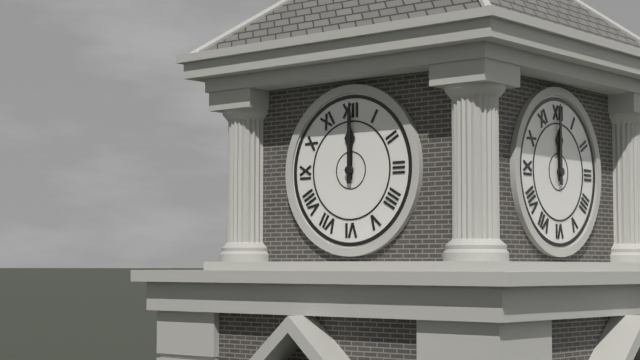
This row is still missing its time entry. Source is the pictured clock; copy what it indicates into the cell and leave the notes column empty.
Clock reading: 12:00
